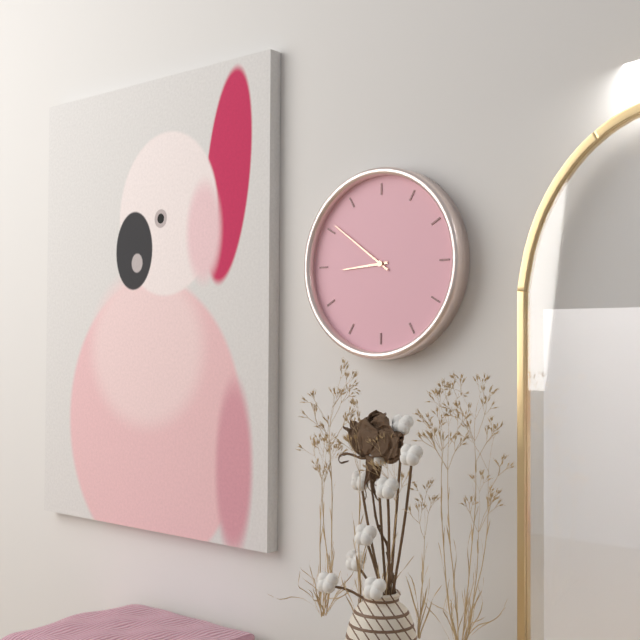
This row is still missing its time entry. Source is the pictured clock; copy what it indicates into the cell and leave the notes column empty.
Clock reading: 8:51
